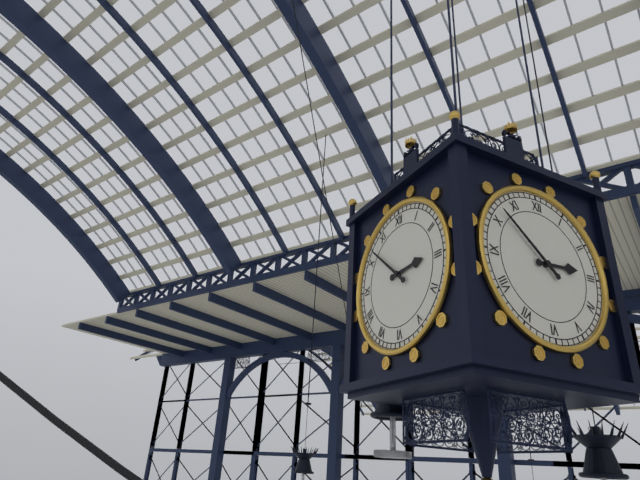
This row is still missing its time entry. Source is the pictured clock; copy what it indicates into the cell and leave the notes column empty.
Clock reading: 2:52
